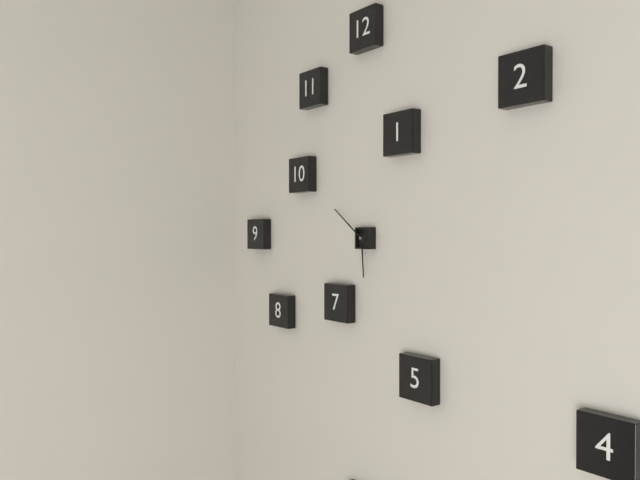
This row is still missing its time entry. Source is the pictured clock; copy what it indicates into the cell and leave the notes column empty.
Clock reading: 5:51
